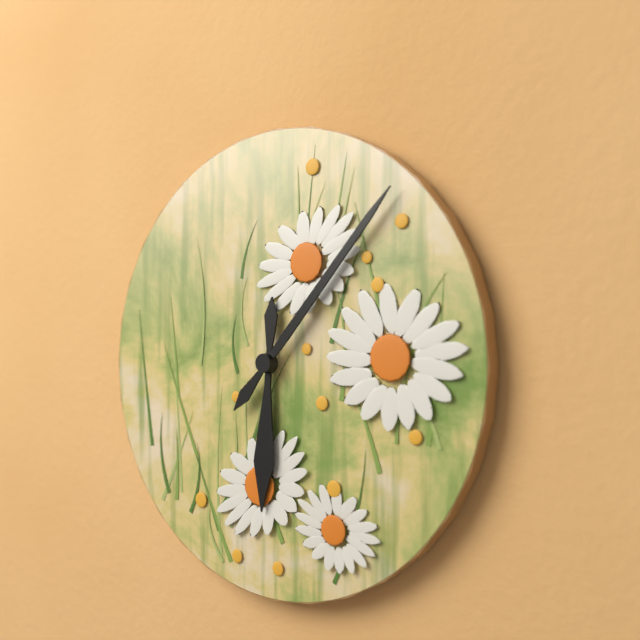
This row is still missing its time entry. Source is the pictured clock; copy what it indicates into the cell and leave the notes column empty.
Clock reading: 6:07
